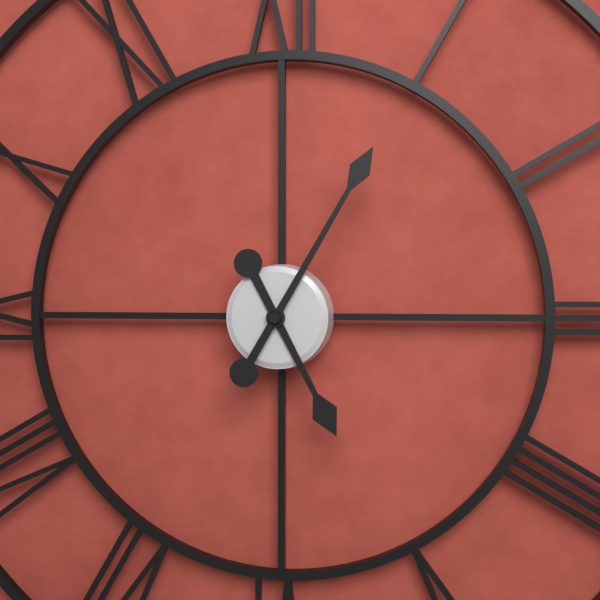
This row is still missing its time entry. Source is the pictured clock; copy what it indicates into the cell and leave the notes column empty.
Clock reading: 5:05
